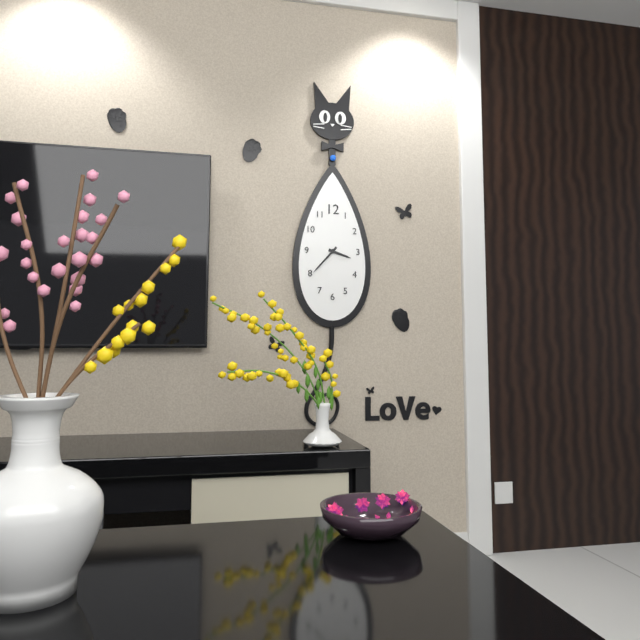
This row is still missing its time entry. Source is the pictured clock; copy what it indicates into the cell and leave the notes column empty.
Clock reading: 3:37
